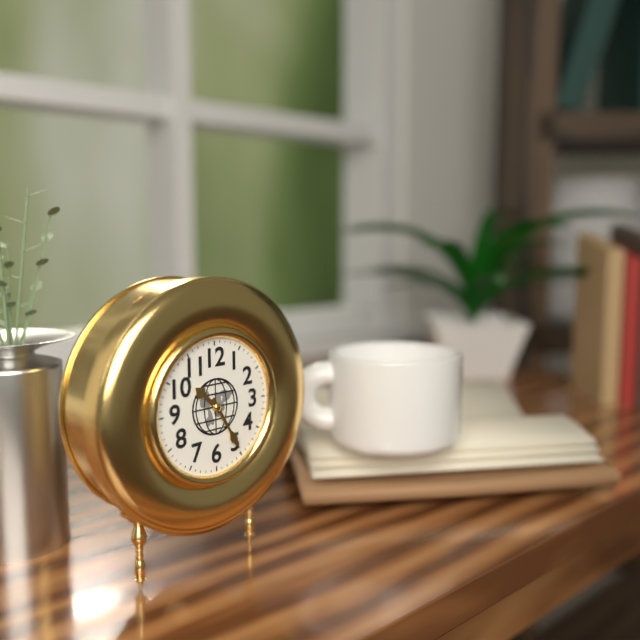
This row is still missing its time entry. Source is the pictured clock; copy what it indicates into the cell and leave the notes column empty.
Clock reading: 10:25
